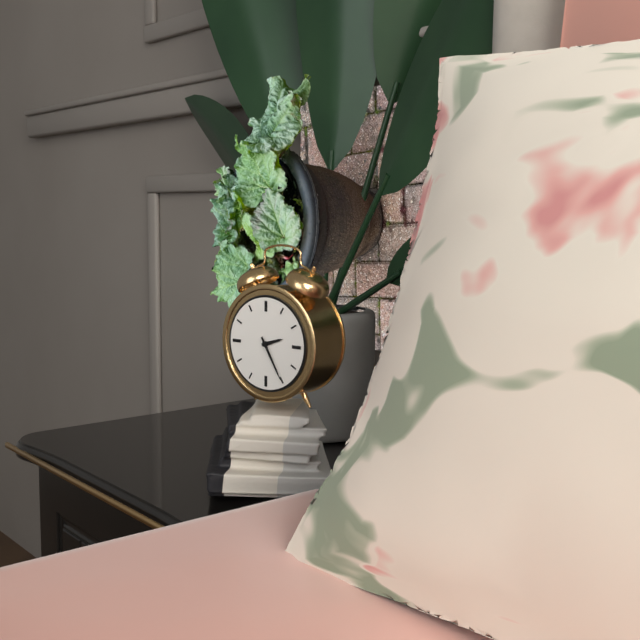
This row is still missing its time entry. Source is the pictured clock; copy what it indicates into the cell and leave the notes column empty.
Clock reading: 2:25
